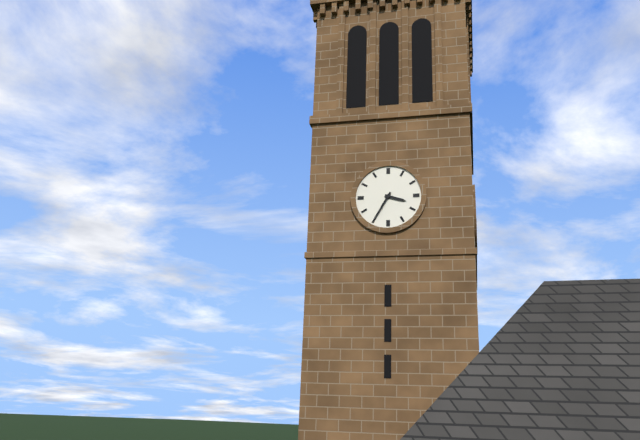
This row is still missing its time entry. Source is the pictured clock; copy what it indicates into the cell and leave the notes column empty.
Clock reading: 3:35
